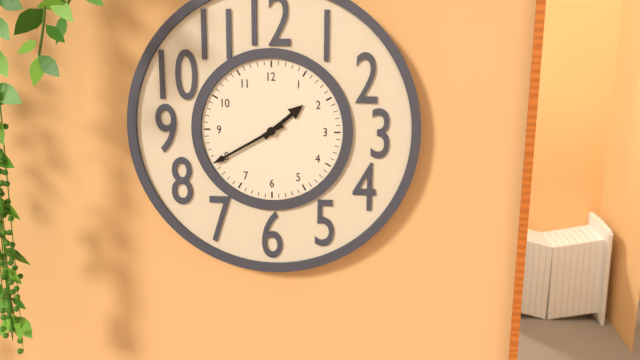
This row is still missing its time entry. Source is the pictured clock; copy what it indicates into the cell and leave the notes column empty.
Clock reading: 1:40
